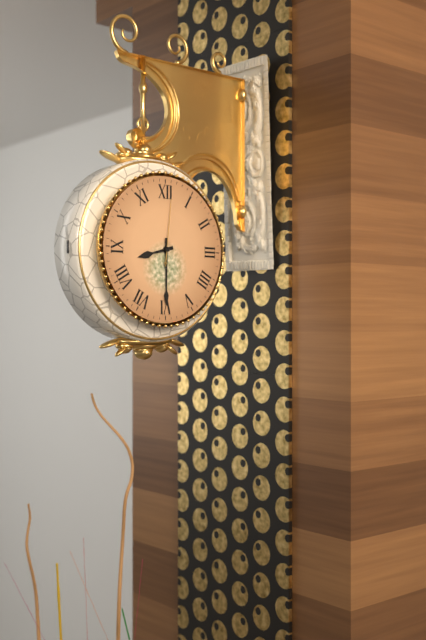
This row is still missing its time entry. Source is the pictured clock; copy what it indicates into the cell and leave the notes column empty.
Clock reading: 8:30:01
